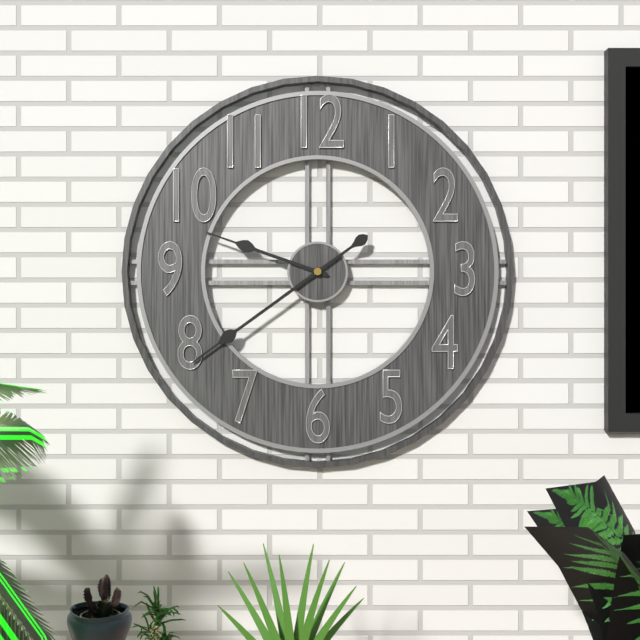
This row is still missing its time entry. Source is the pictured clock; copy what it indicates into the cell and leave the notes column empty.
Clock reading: 9:39
